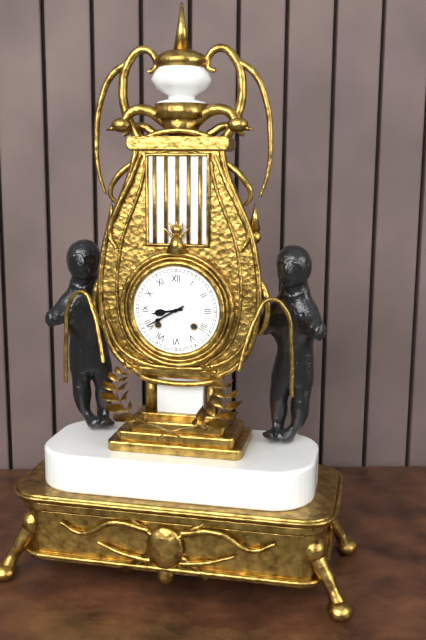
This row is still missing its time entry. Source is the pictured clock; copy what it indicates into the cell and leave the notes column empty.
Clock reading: 8:40
